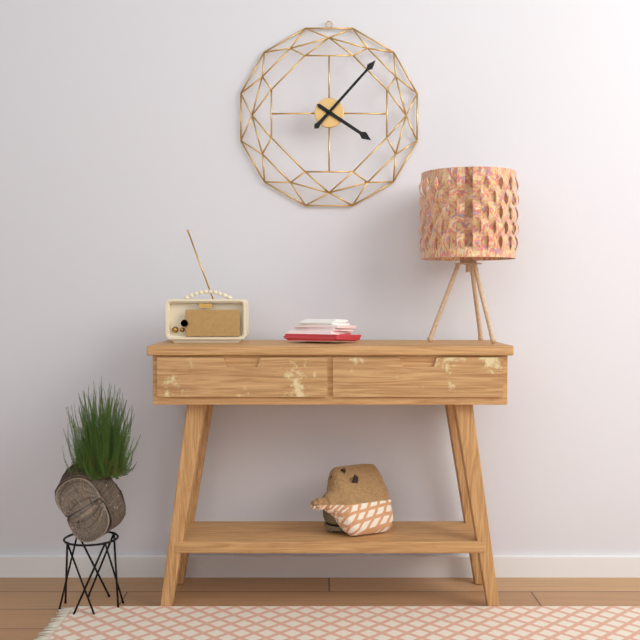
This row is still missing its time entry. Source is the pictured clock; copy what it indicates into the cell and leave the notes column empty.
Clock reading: 4:07
